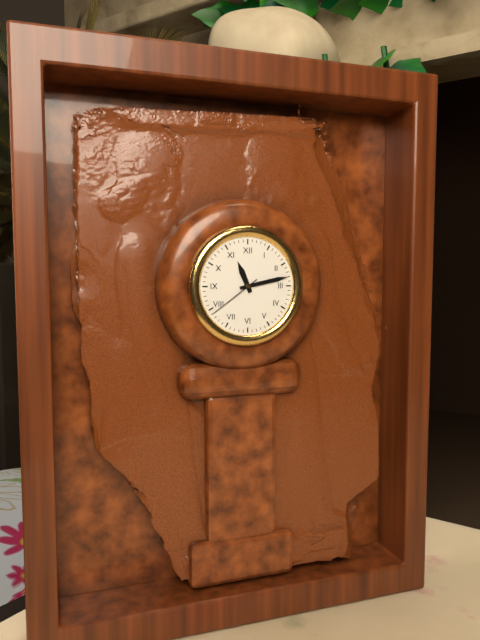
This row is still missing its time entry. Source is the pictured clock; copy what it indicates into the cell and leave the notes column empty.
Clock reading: 11:13:39
